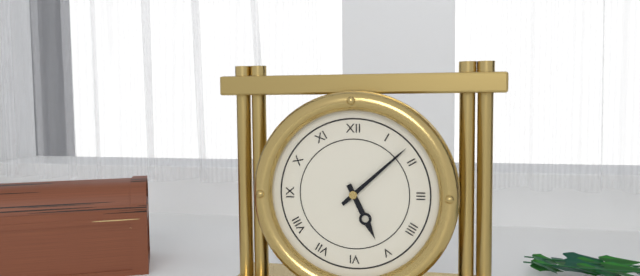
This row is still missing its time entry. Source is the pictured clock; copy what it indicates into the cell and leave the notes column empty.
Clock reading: 5:08
